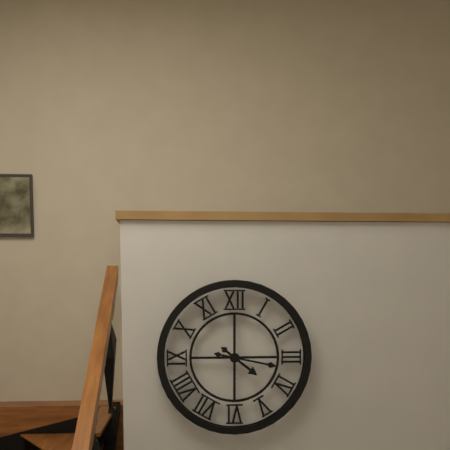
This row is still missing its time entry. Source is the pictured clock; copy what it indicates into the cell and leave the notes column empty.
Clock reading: 4:17
